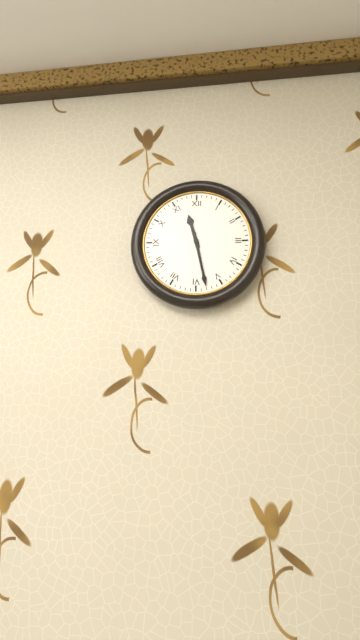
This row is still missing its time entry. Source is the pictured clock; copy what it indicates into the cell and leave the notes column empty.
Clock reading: 11:28
